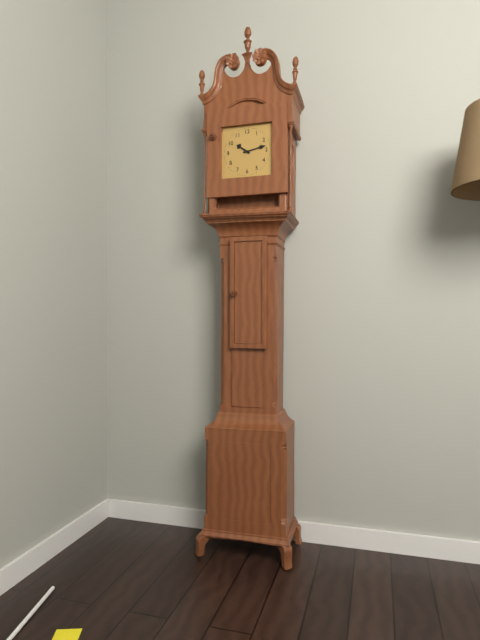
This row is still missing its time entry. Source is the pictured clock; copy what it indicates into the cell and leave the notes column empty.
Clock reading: 10:13
